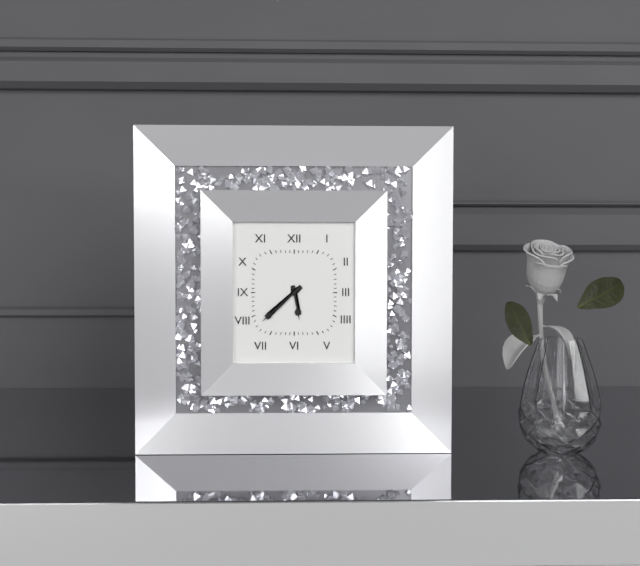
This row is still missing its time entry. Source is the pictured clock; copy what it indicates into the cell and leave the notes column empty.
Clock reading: 5:38
